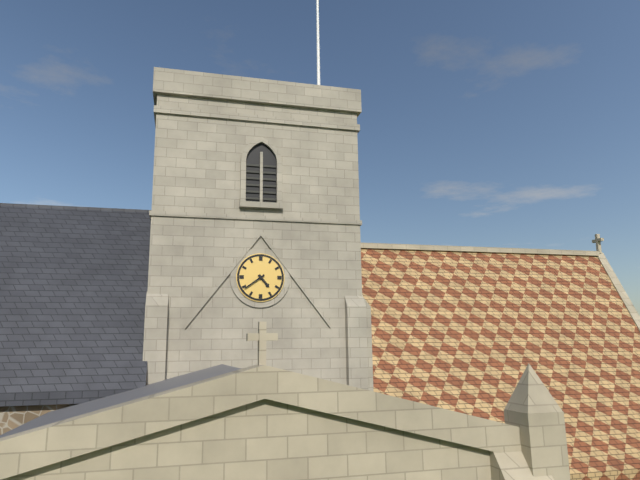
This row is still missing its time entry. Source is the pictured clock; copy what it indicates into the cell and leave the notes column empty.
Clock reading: 4:39
